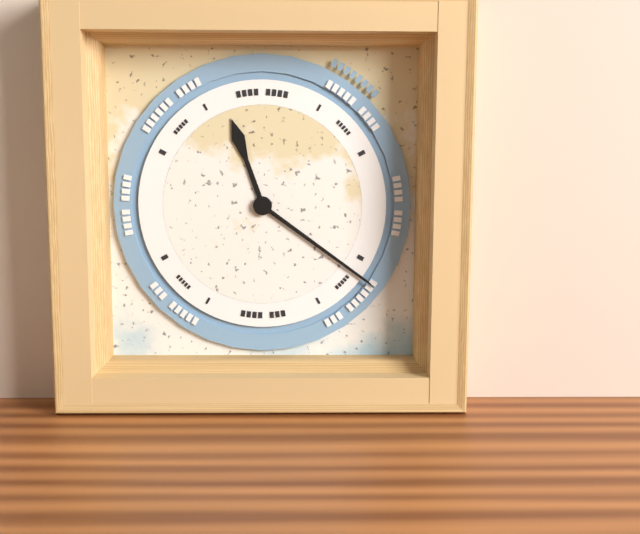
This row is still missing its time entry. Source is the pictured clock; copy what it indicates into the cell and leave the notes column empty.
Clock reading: 11:21
